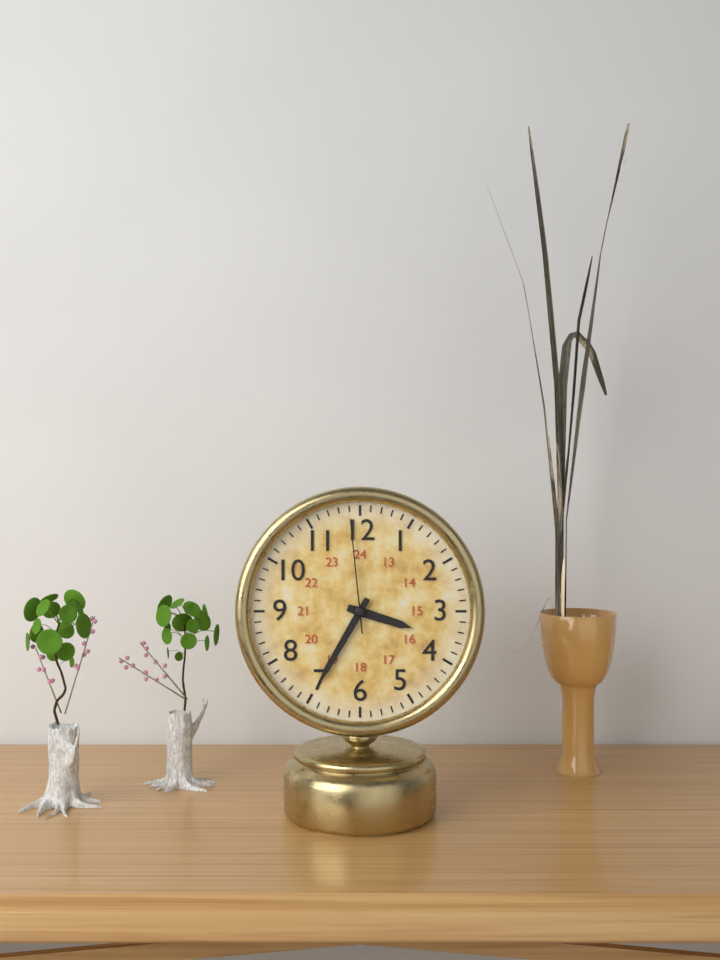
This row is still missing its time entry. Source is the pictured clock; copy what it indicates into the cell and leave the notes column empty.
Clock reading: 3:35:59
